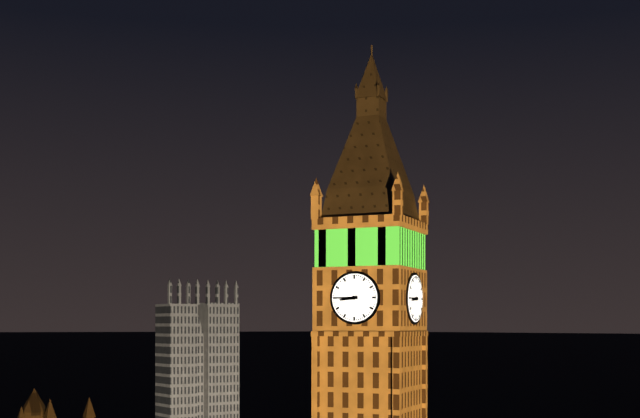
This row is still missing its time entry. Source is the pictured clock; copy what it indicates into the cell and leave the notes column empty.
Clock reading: 8:45
